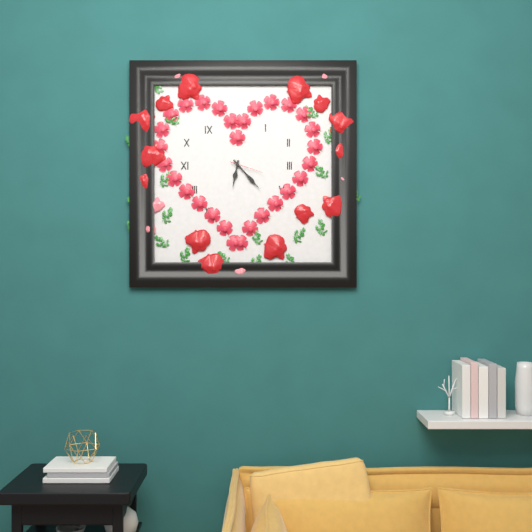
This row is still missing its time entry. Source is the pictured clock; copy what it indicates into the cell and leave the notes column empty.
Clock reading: 6:23
